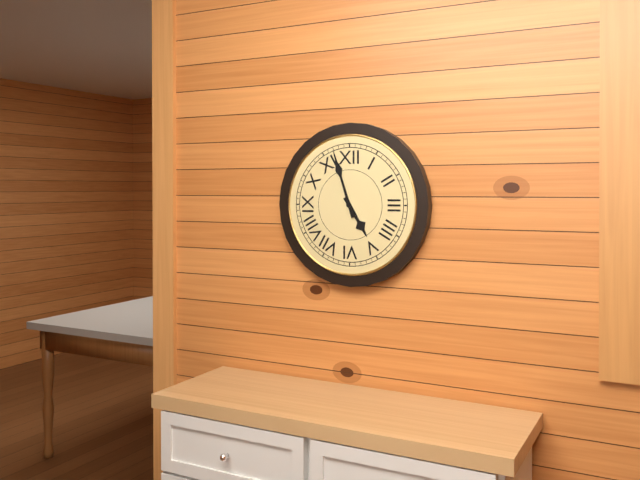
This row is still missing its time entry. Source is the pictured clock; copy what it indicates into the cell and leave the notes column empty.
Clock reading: 4:57
